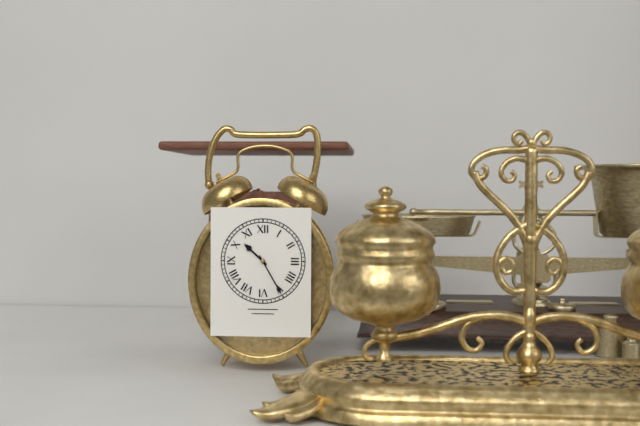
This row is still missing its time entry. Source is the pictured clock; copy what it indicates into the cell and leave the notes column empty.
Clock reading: 10:25
